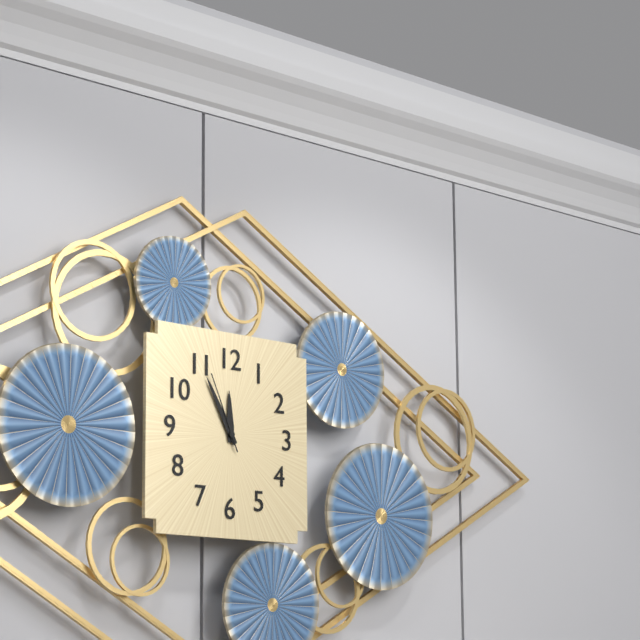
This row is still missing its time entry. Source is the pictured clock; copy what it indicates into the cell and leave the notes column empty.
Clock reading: 11:55:56
